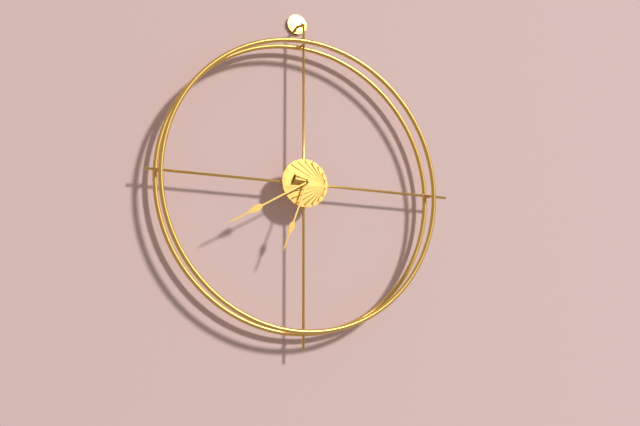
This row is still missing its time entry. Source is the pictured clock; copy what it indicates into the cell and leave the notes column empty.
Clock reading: 6:40
